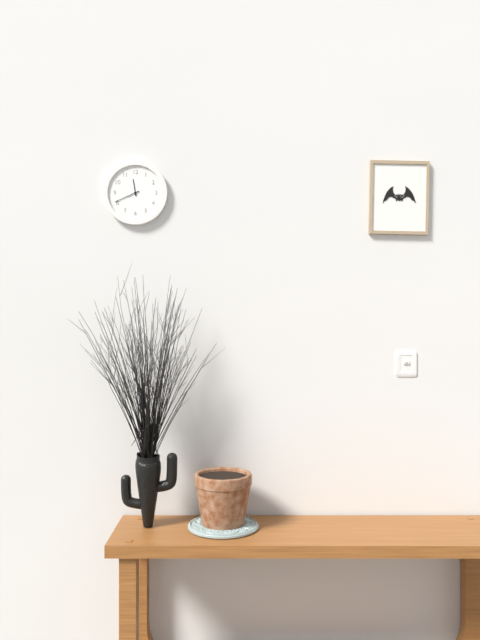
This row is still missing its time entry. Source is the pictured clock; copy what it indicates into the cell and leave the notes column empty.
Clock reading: 11:41
